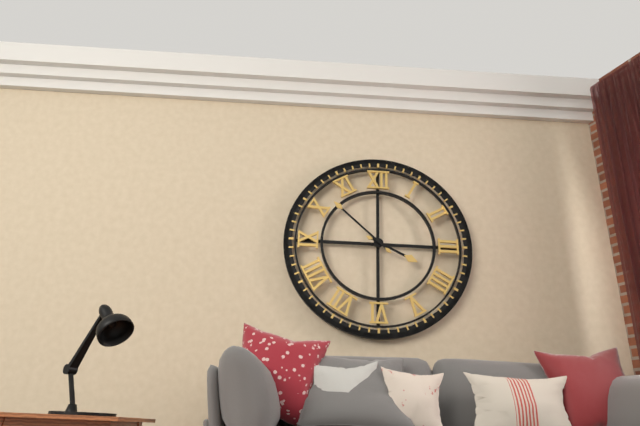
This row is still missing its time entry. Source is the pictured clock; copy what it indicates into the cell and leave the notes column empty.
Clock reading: 3:52
